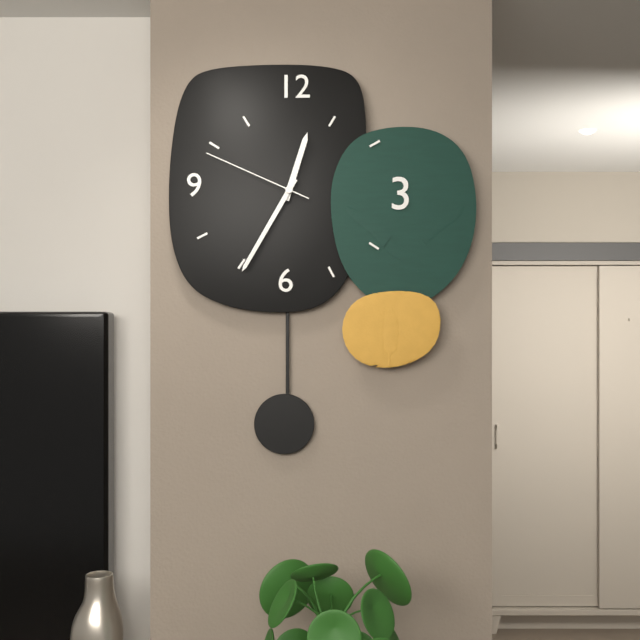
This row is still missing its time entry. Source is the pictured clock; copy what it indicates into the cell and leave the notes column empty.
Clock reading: 12:35:49
